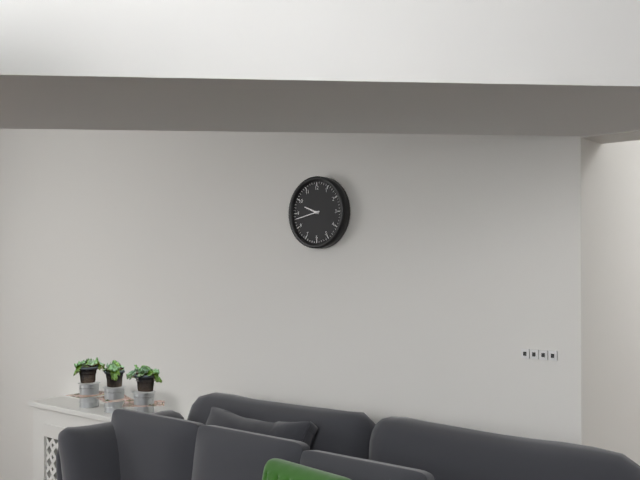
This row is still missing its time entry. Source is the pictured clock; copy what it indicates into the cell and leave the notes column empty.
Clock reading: 9:43
